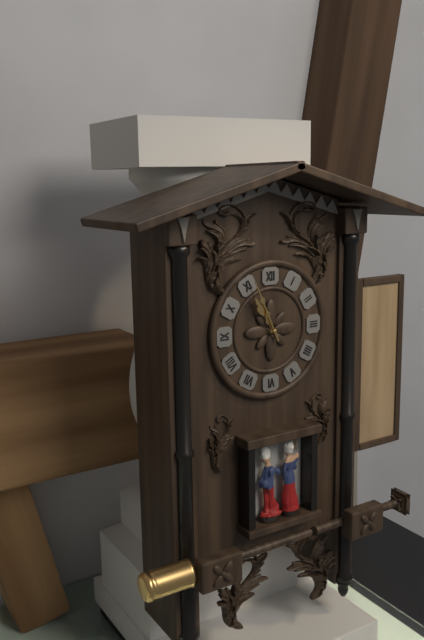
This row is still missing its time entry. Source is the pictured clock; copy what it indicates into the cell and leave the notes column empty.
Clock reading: 10:56
